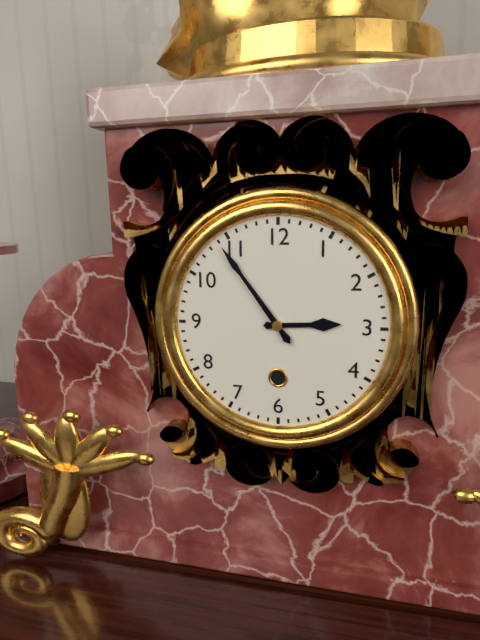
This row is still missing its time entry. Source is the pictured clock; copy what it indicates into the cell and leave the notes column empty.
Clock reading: 2:54
